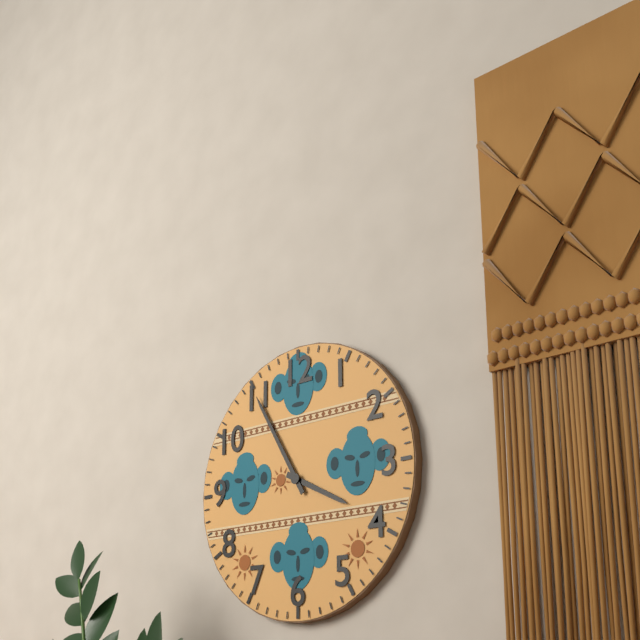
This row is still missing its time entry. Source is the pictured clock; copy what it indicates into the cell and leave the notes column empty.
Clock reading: 3:55
